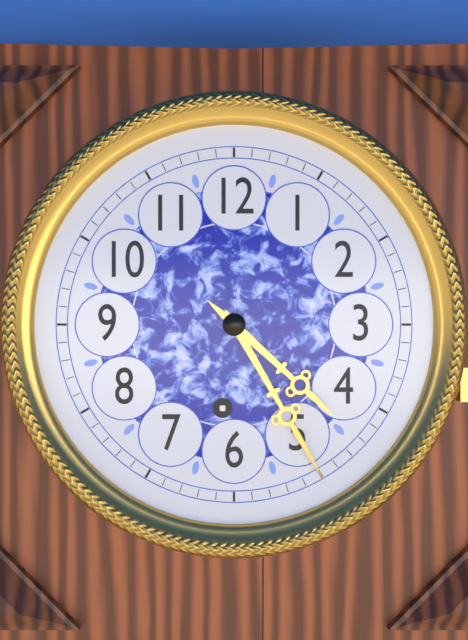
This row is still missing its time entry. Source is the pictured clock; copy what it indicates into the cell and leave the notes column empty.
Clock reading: 4:25
